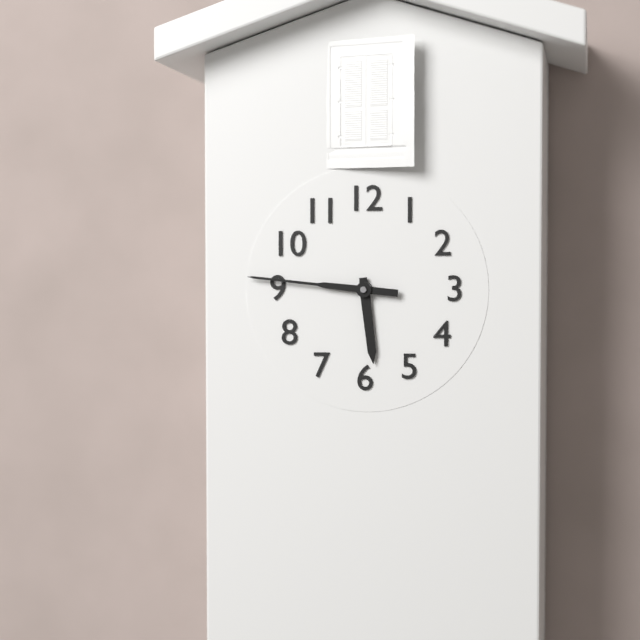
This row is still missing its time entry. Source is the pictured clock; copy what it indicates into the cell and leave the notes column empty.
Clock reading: 5:46
